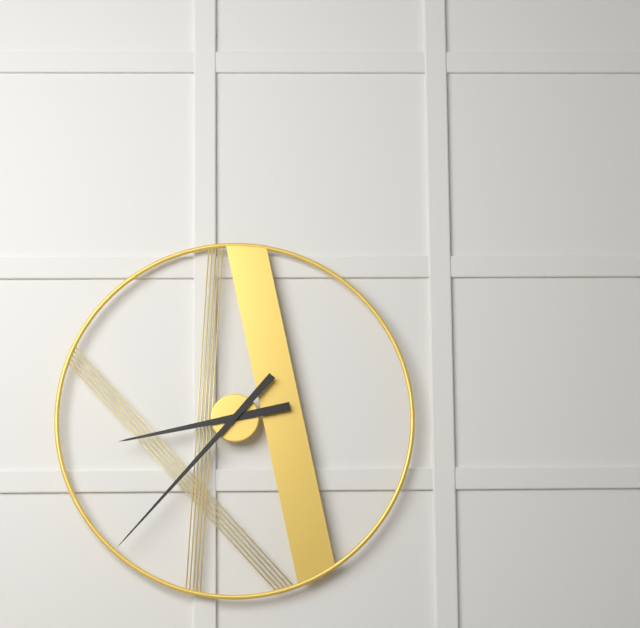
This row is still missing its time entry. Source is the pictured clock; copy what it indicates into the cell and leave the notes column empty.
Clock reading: 8:37
